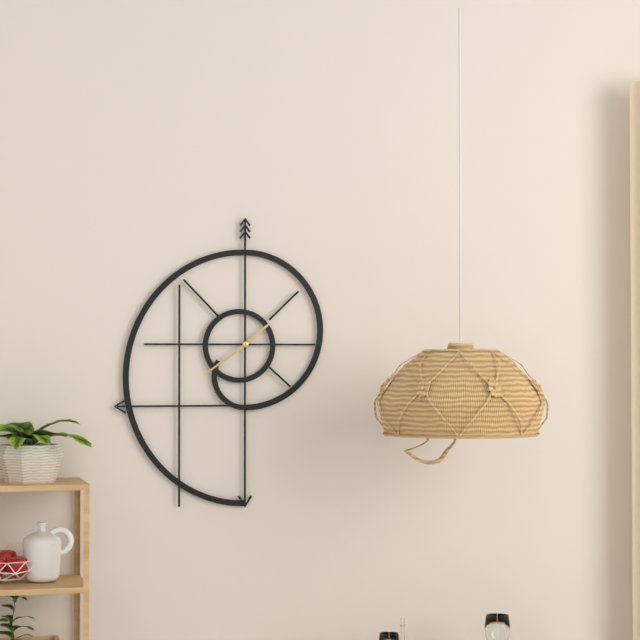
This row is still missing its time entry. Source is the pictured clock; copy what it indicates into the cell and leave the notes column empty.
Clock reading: 1:39
